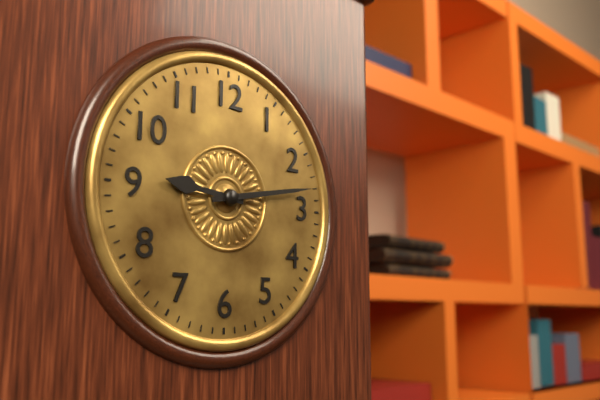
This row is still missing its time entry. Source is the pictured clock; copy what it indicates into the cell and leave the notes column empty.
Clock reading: 9:13
